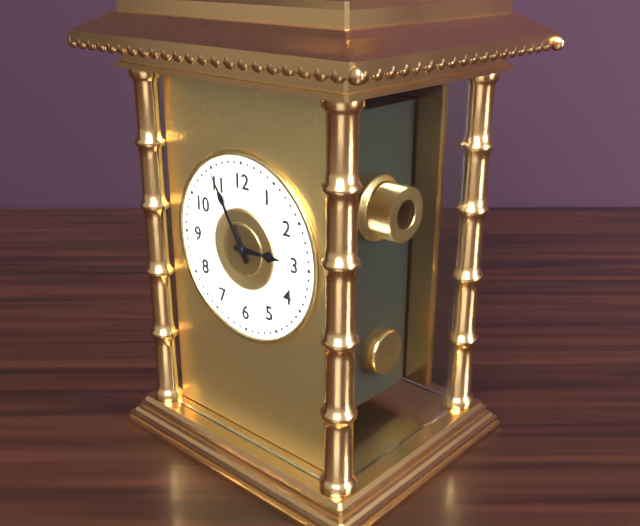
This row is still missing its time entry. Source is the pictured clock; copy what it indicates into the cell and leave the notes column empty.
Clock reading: 2:55
